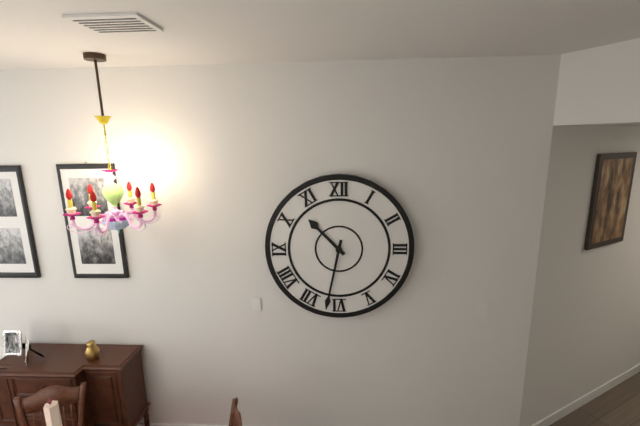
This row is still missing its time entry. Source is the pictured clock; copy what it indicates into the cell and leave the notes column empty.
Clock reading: 10:32
